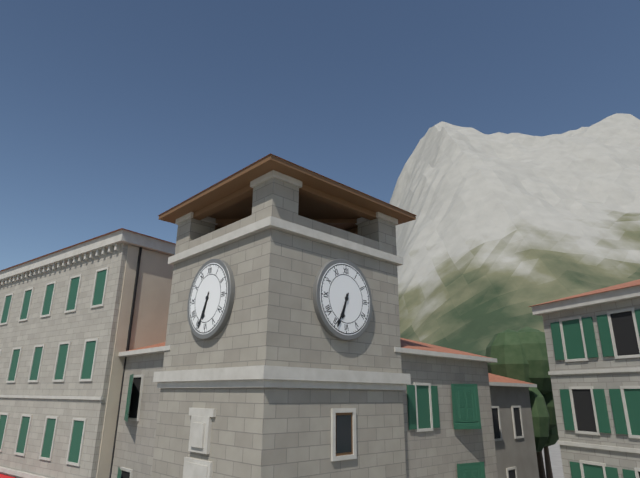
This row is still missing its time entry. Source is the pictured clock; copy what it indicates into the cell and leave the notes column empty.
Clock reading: 6:34
